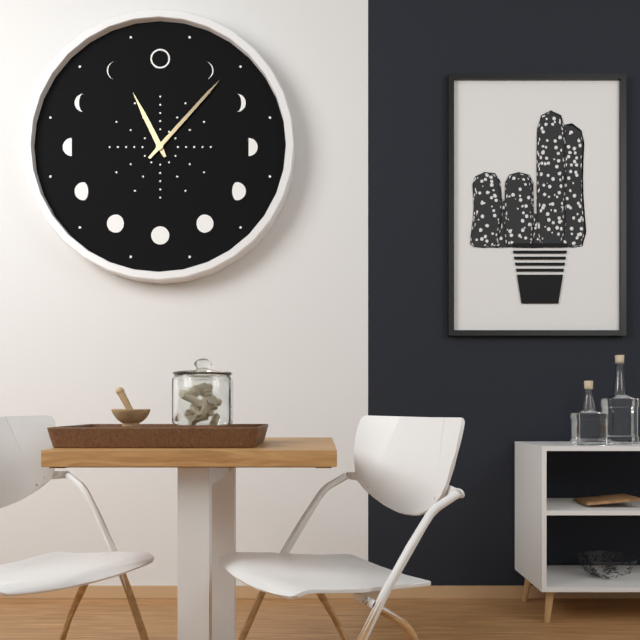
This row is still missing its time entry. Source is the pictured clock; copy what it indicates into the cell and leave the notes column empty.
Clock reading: 11:07
